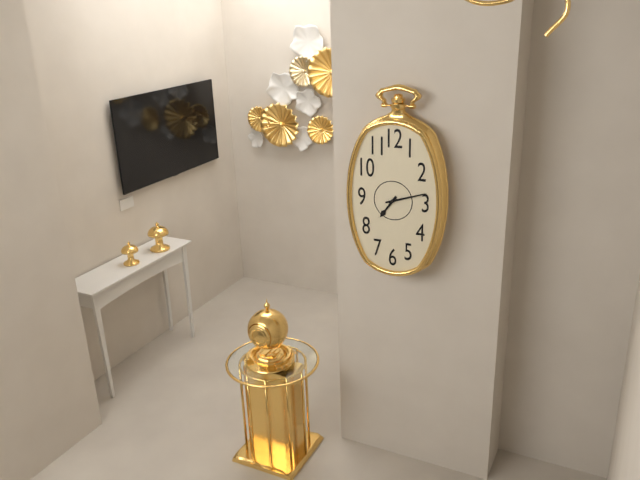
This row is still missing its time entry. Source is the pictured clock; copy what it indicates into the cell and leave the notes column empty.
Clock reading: 7:12
